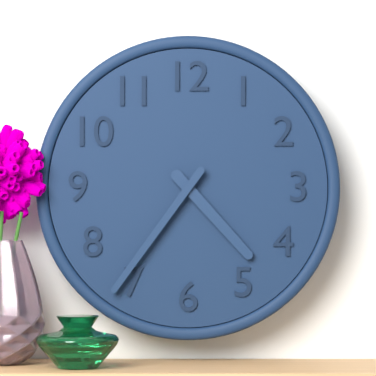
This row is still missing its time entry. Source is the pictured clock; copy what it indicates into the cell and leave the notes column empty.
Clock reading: 4:36
